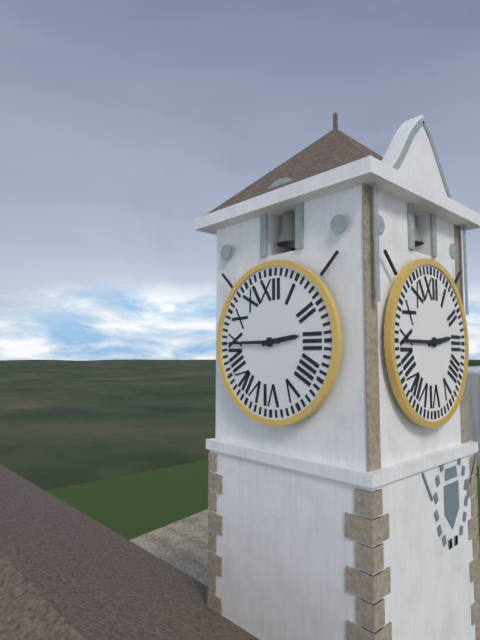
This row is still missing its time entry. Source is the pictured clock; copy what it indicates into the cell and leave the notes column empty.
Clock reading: 2:45
